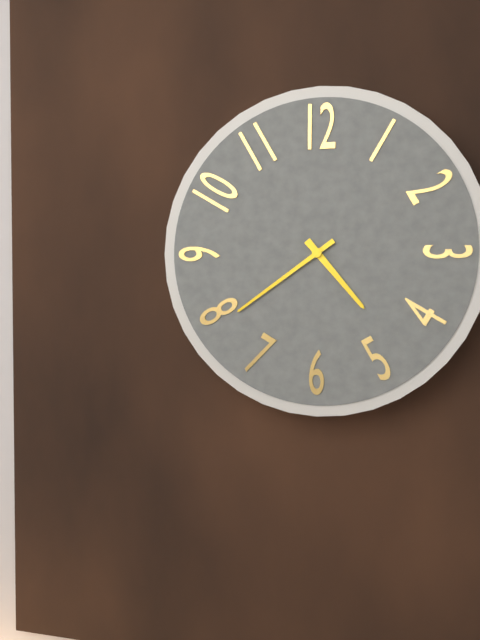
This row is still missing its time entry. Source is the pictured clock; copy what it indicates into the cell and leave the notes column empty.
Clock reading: 4:39
